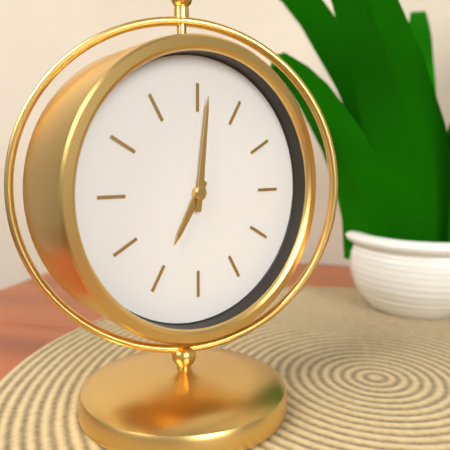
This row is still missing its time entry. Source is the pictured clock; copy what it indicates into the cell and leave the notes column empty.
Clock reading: 7:01
